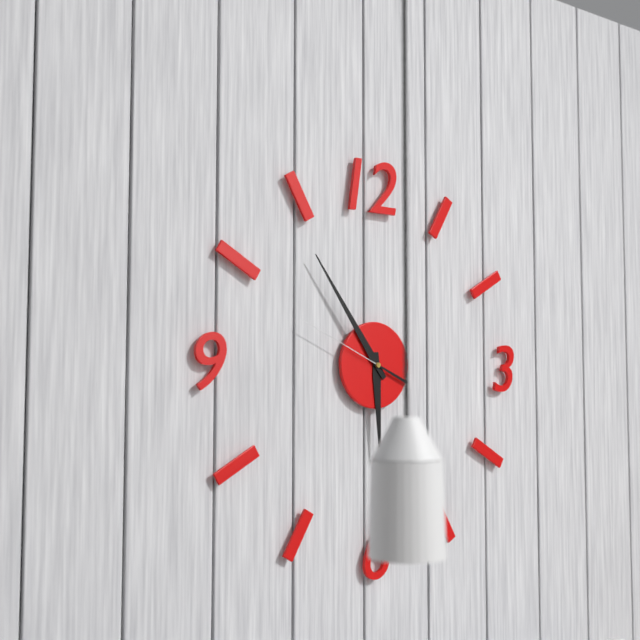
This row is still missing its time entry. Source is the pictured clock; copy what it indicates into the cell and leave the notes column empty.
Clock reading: 5:54:49
